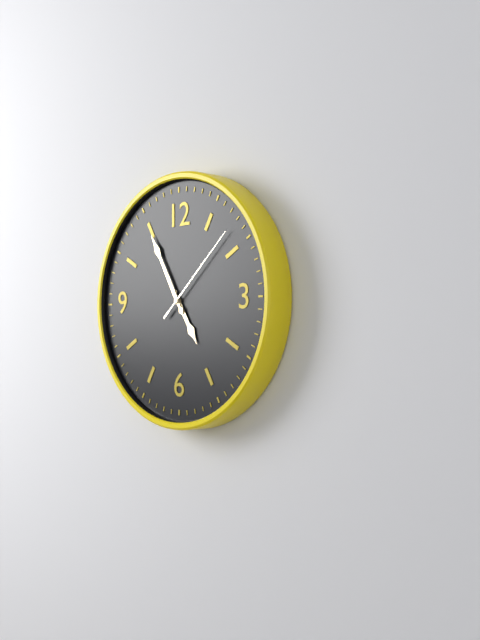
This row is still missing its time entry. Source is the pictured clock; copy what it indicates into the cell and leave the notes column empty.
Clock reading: 4:55:08
